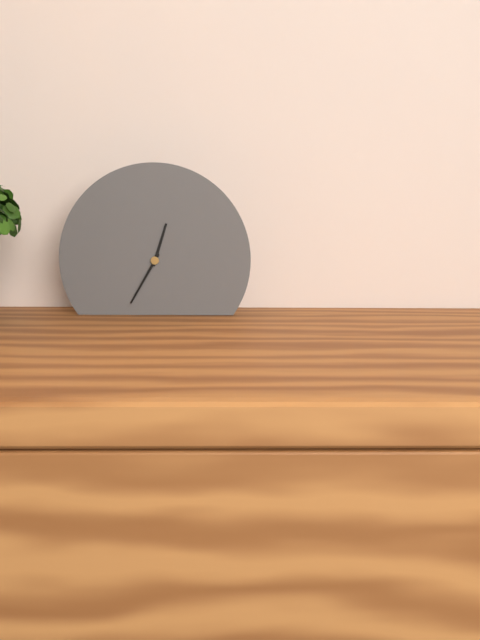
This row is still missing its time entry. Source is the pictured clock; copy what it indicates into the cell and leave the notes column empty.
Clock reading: 12:35
